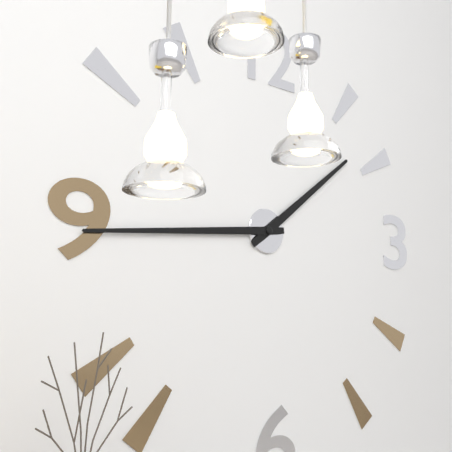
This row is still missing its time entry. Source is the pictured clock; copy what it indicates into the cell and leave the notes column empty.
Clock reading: 1:44
